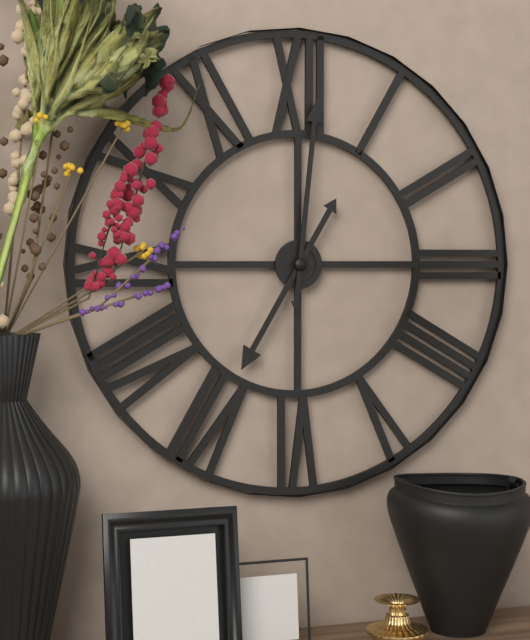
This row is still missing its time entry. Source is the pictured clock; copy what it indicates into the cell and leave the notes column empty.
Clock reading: 7:01
